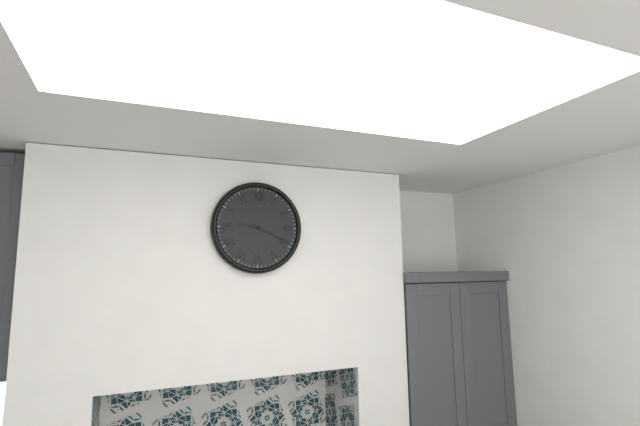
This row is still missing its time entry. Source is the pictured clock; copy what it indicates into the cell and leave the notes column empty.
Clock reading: 9:19
